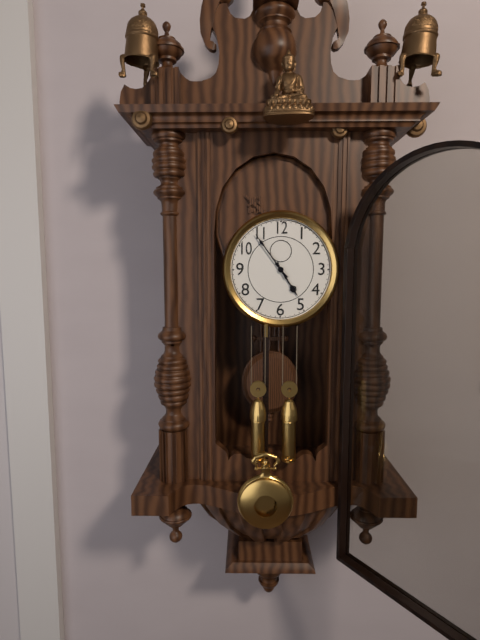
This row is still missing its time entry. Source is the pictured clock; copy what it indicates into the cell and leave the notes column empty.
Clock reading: 4:54
